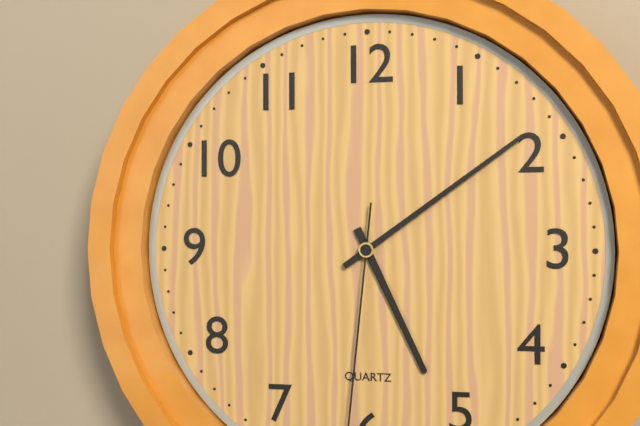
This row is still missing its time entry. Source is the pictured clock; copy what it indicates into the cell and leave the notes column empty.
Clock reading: 5:09
